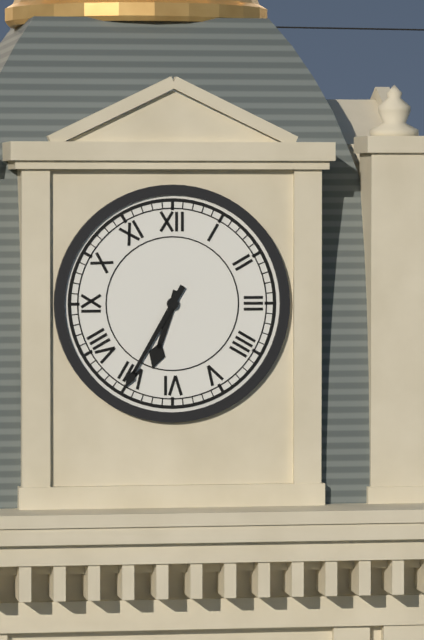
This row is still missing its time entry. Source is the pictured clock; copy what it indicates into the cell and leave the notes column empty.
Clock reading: 6:35
